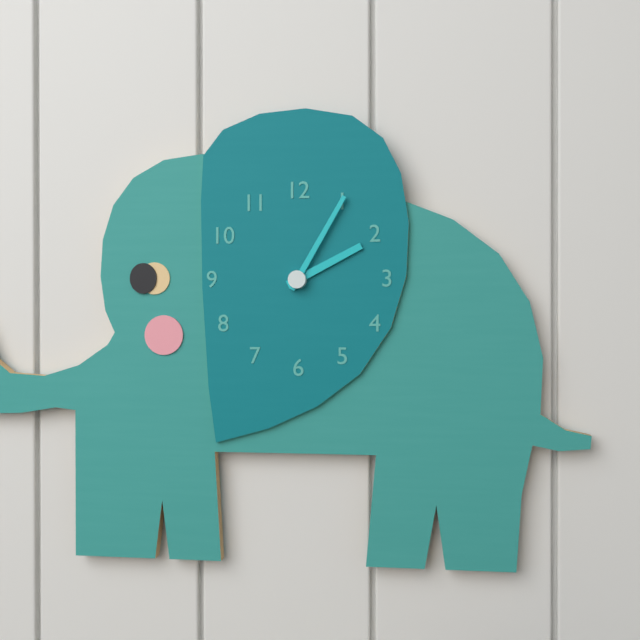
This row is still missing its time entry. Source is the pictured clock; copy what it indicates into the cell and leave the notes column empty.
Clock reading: 2:05
